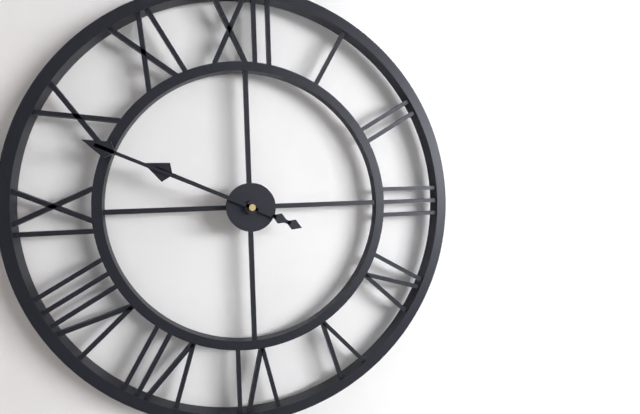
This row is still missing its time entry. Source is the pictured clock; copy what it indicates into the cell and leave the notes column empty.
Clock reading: 9:49
